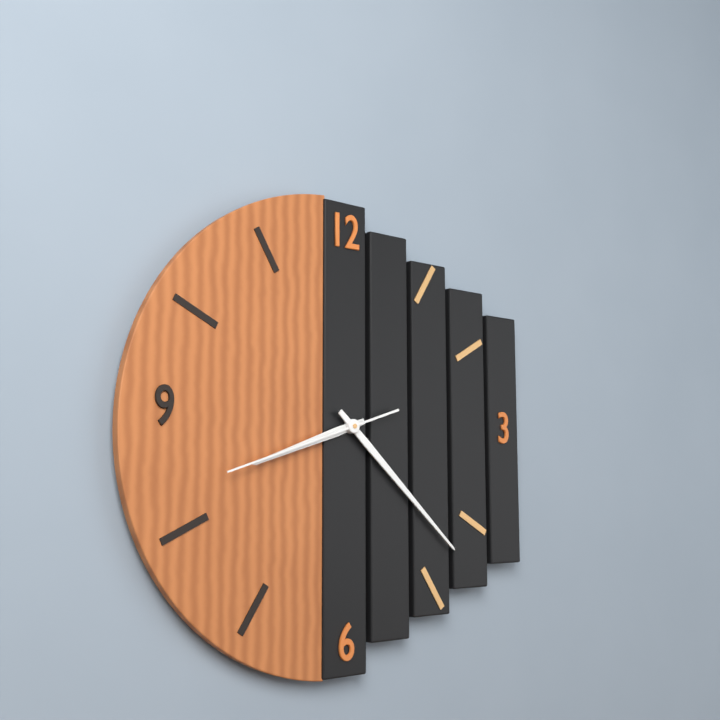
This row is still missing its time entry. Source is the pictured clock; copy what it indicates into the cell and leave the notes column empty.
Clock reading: 8:22:42
